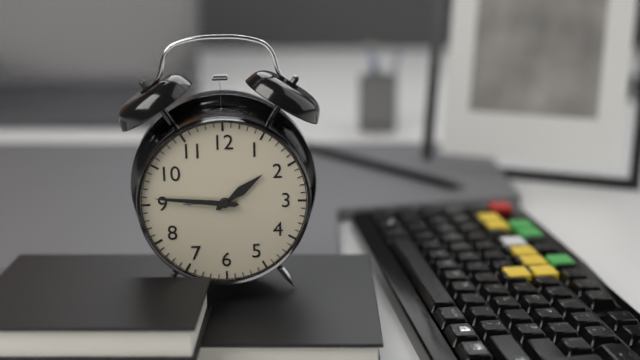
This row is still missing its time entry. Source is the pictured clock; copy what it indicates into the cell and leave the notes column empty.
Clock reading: 1:46
